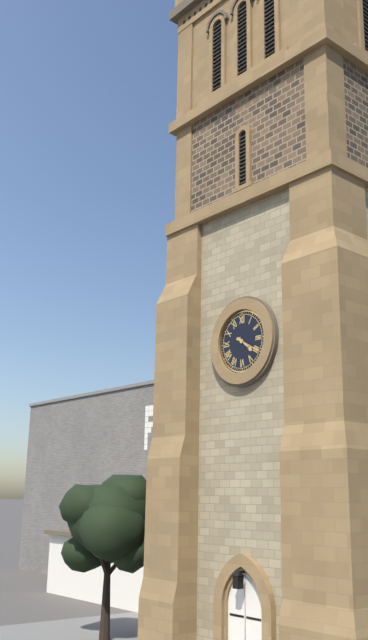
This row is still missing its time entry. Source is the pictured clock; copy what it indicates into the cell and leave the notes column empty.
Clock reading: 4:20
